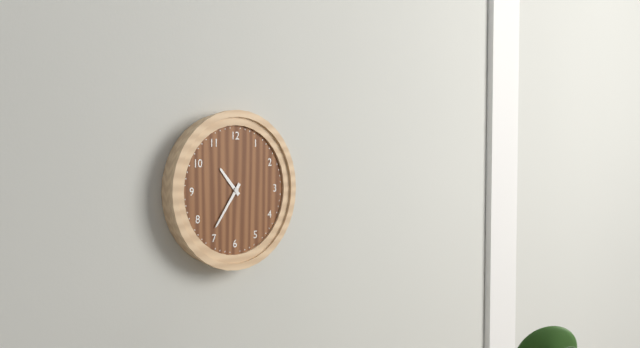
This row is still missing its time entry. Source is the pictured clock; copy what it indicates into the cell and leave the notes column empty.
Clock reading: 10:36
